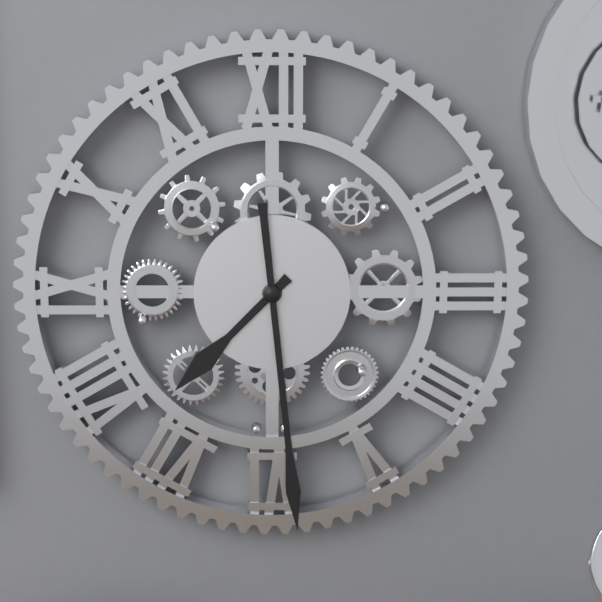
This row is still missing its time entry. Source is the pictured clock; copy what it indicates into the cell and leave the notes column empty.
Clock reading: 7:29
